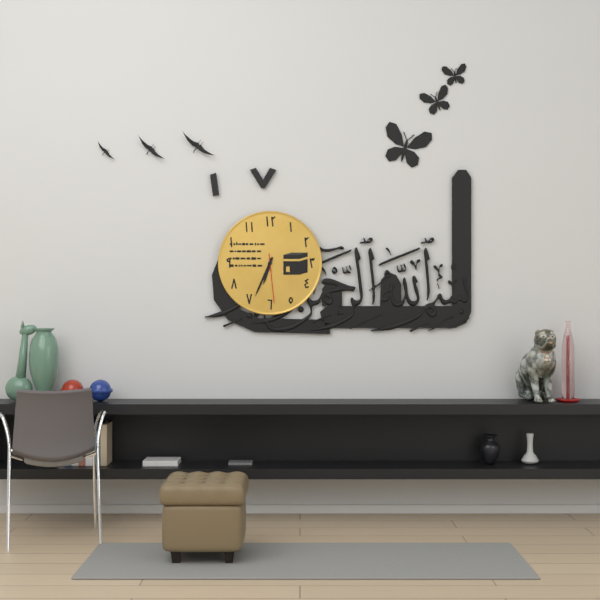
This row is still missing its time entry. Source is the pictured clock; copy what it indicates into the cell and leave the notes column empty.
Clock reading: 6:34:29
